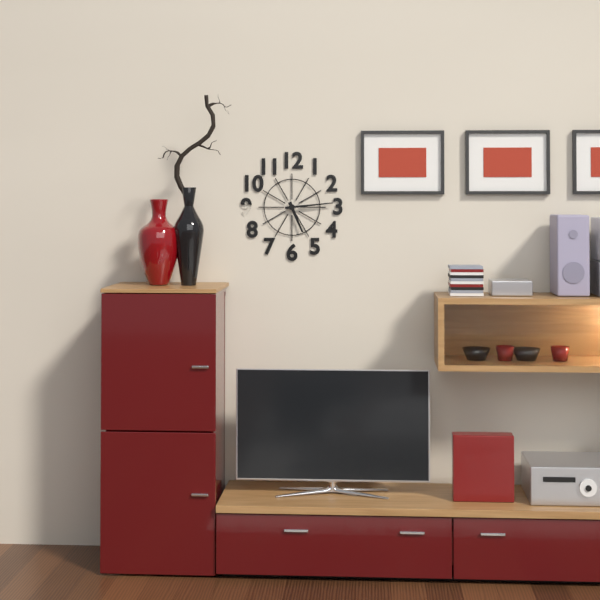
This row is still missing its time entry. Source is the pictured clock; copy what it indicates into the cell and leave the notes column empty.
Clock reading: 5:14
